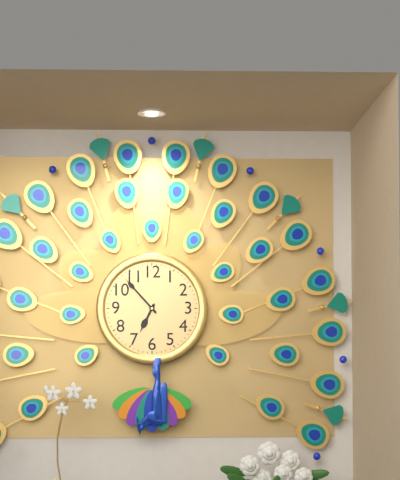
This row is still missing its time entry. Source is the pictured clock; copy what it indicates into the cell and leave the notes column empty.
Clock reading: 6:53
